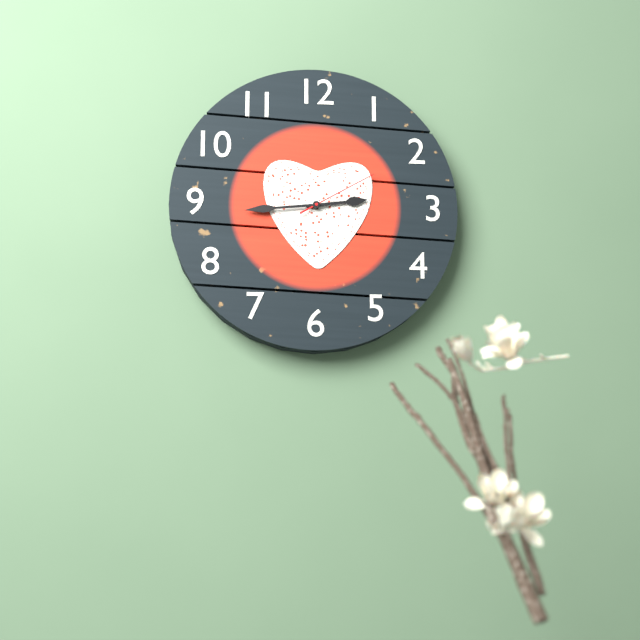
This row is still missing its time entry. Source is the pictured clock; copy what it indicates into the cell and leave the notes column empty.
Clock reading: 2:44:10
